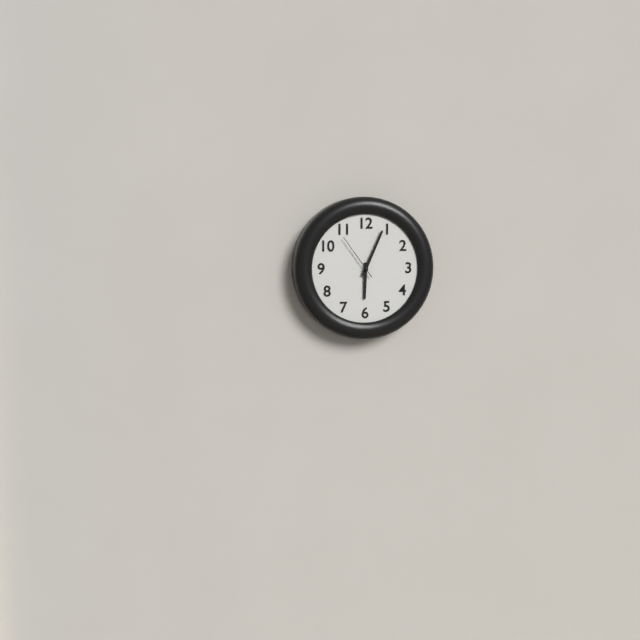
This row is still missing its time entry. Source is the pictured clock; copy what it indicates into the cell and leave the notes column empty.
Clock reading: 6:04
